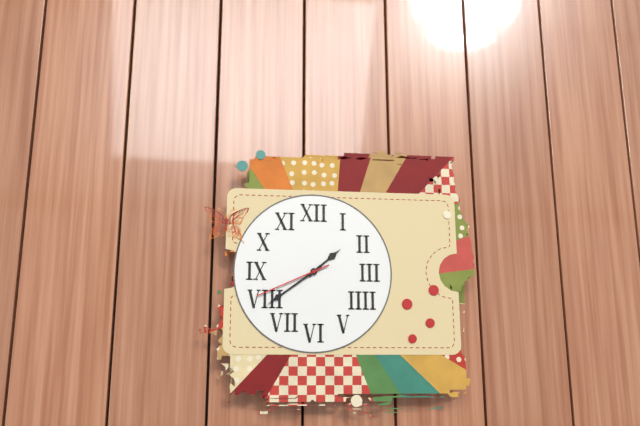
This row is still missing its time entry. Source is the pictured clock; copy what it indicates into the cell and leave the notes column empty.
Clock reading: 1:39:41
